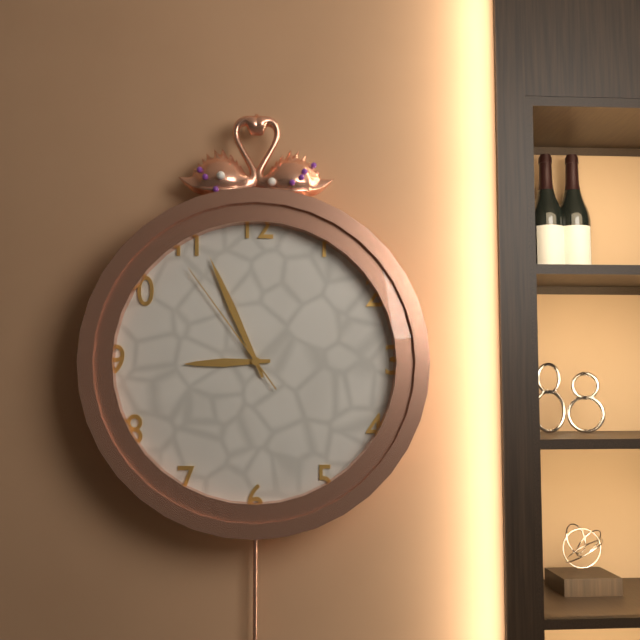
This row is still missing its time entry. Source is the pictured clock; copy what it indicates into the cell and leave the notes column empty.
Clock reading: 8:56:54
